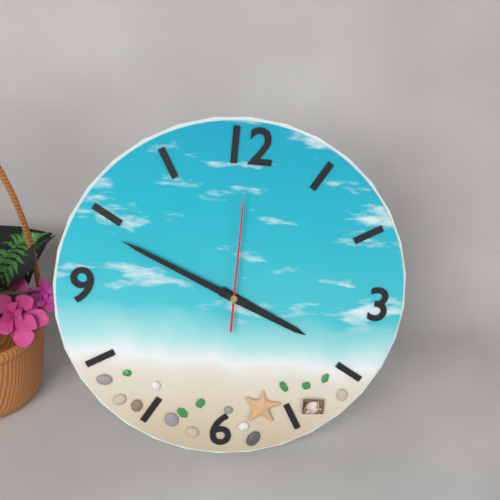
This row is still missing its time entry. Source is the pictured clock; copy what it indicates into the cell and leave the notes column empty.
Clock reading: 3:49:00
